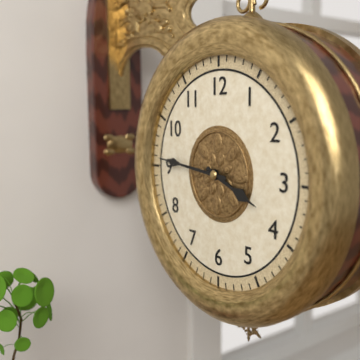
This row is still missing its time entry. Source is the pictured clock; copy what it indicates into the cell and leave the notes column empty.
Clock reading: 3:46
